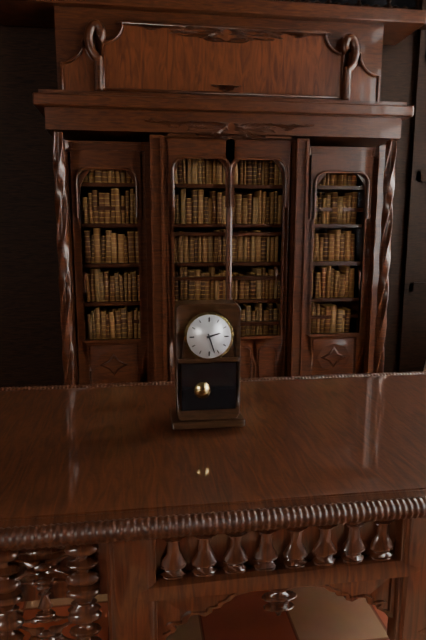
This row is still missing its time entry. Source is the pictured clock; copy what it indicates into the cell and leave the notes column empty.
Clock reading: 2:27
